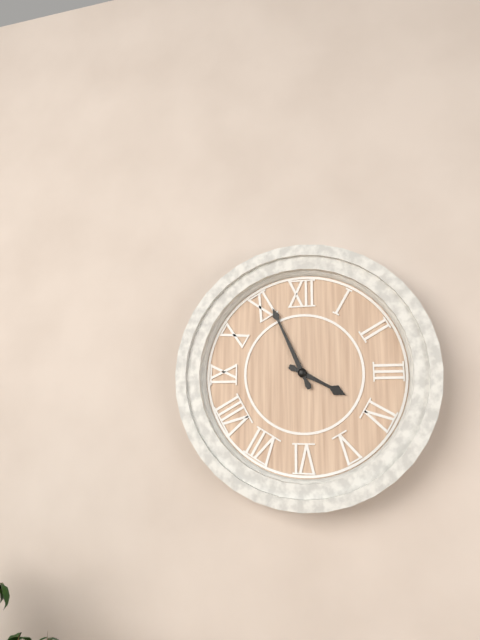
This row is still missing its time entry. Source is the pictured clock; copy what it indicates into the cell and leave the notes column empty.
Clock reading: 3:56
